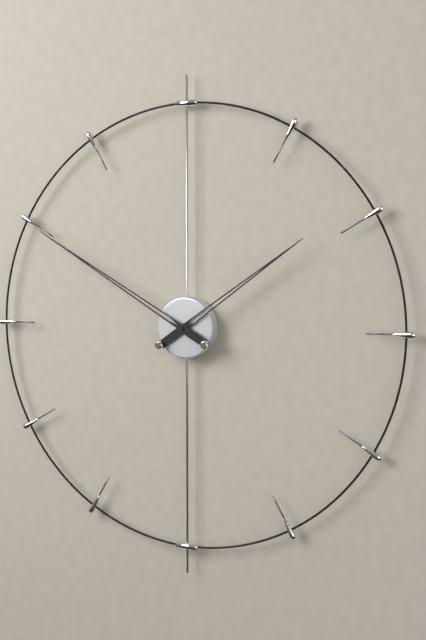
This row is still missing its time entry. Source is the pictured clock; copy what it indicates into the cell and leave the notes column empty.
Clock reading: 1:50
